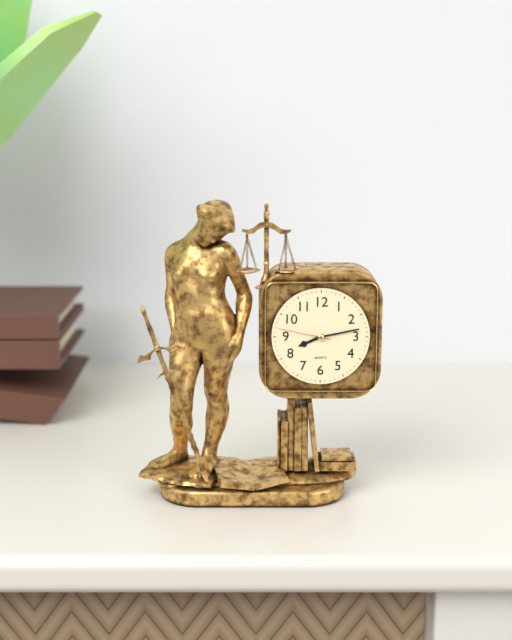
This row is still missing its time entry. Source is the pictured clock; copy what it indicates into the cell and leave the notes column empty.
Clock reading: 8:13:47
